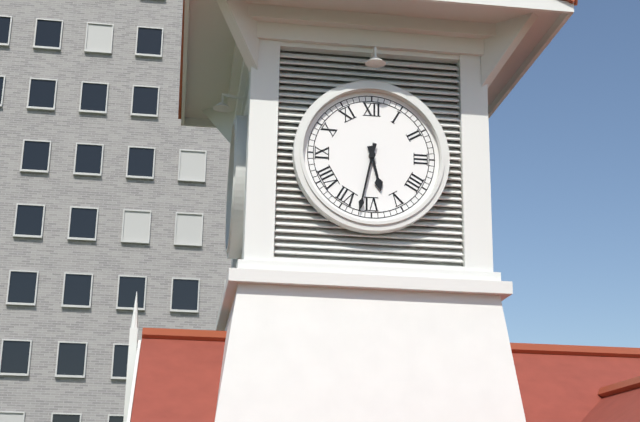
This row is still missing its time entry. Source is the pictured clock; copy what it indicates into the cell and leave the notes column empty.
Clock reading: 5:32
